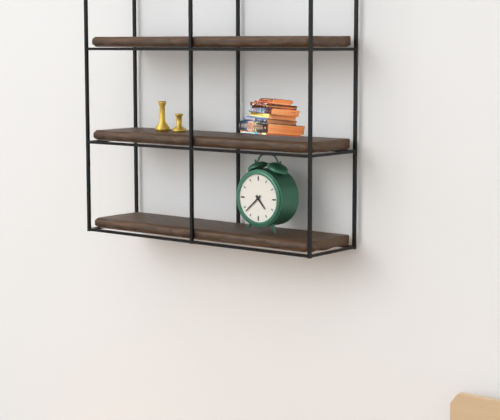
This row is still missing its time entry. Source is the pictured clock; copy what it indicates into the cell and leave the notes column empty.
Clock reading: 4:38
